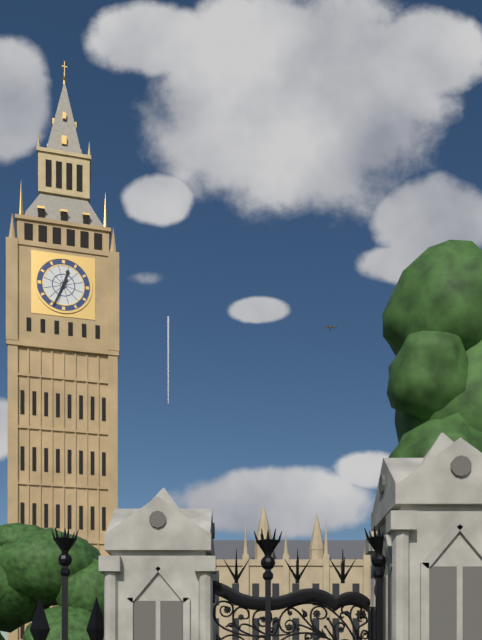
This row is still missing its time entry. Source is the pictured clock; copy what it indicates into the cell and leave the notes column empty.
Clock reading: 12:34
